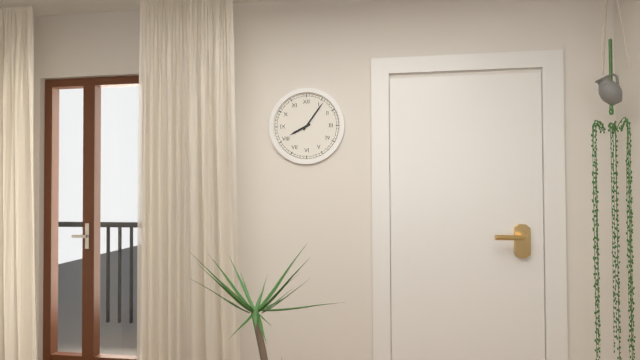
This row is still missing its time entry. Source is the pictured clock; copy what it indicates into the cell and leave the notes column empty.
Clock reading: 8:06
